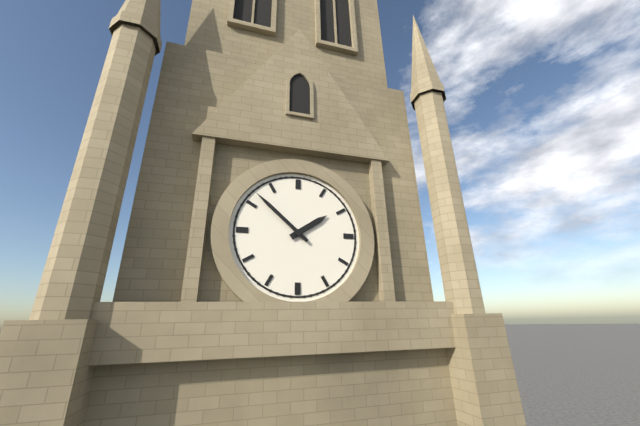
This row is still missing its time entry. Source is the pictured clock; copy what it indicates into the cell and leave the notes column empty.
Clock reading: 1:52
